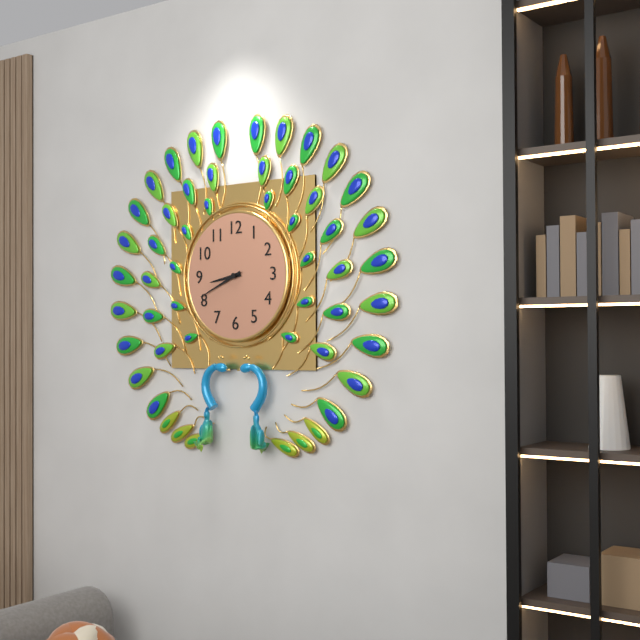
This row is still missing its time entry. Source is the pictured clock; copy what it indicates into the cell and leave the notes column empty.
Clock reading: 8:41
